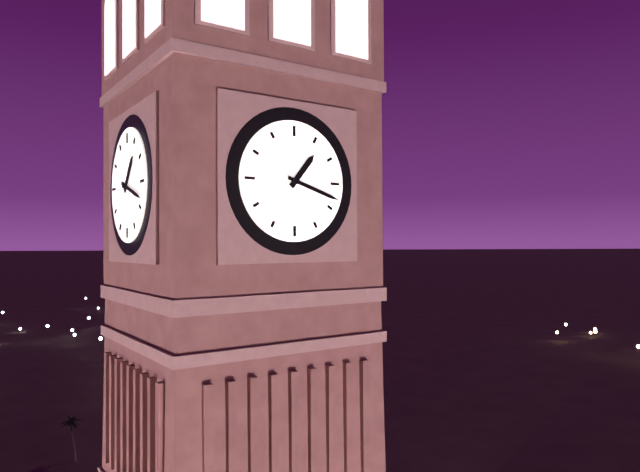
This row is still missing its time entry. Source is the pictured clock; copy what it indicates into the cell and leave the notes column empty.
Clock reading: 1:18
